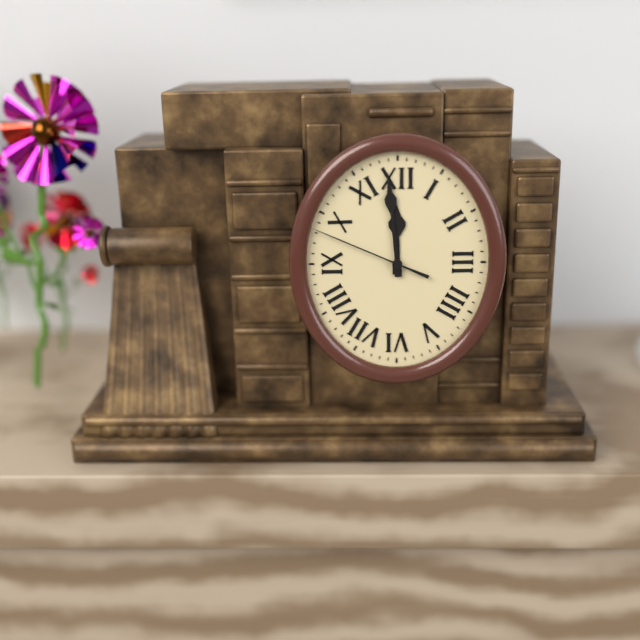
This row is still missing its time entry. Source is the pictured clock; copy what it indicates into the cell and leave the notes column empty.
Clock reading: 11:59:49
